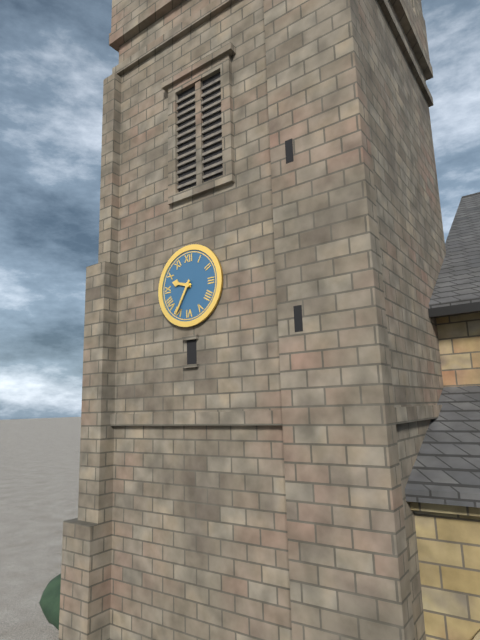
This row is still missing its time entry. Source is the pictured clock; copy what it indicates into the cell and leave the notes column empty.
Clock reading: 9:35
